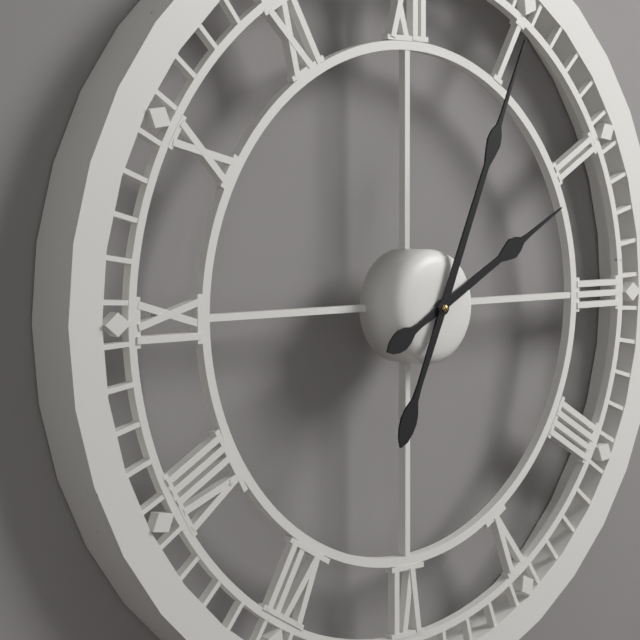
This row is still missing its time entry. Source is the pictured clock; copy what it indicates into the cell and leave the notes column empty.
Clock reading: 2:04
